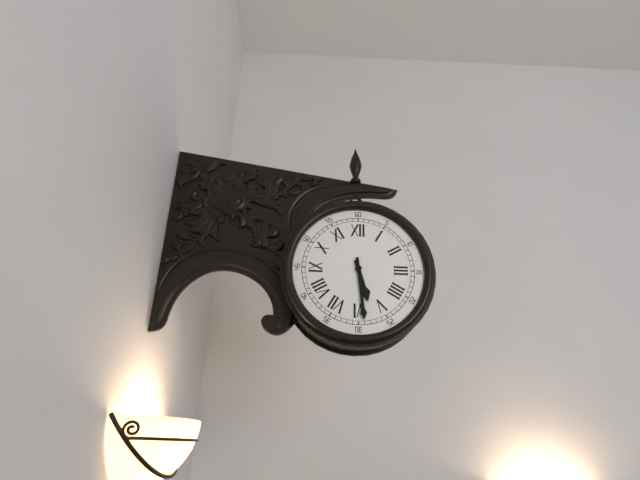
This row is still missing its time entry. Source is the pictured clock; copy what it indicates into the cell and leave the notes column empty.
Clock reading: 5:29
